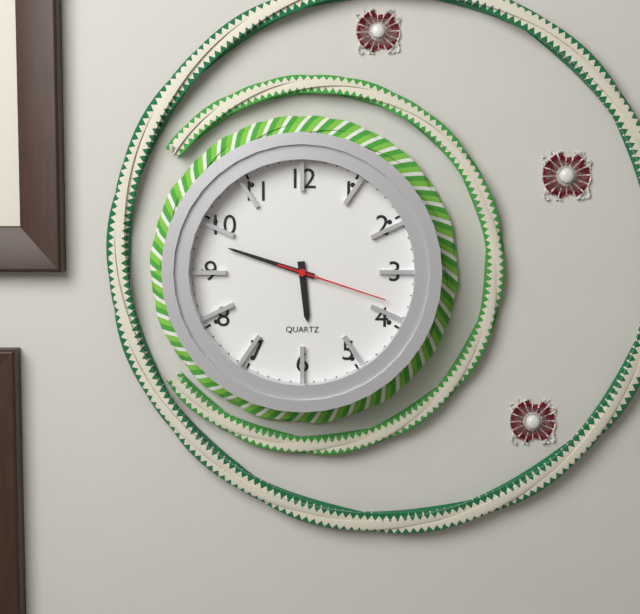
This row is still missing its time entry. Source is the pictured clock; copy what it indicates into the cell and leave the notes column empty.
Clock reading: 5:48:18
